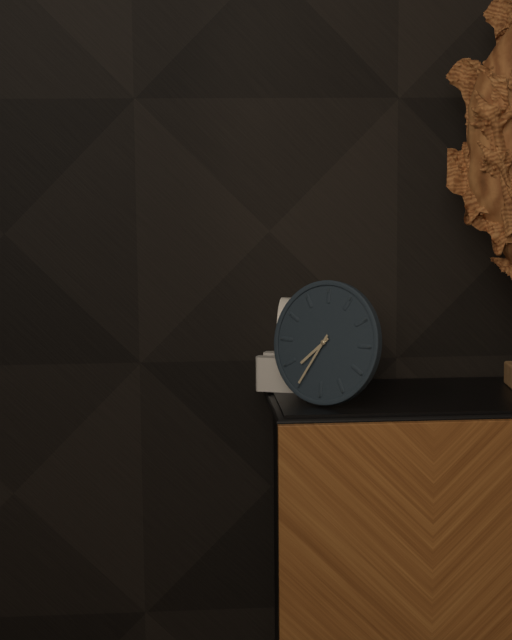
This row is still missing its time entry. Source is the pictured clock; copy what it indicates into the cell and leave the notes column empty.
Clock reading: 7:35
